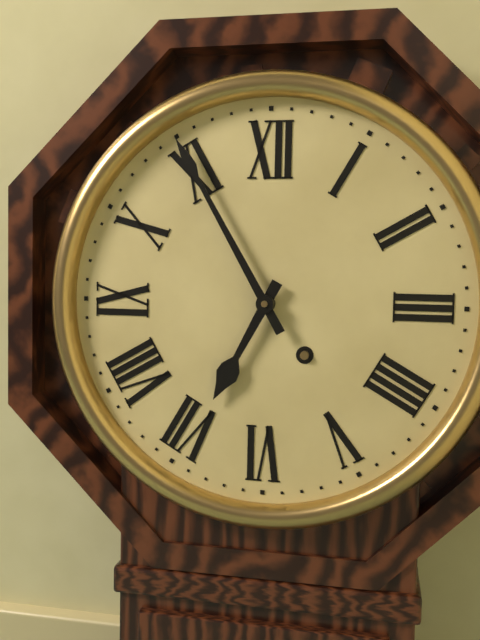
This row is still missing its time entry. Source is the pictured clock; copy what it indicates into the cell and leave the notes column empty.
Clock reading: 6:55
